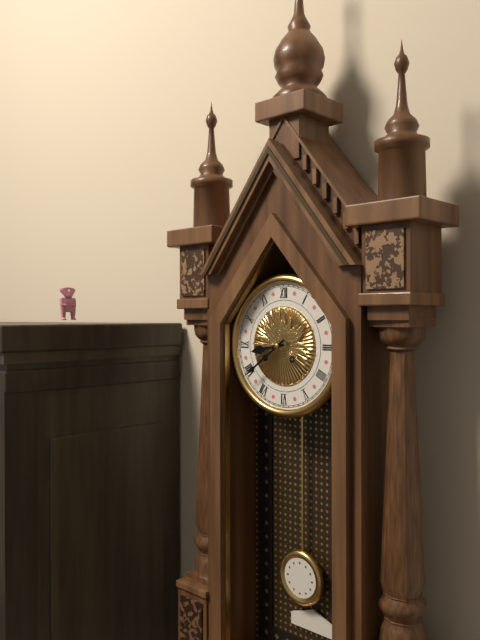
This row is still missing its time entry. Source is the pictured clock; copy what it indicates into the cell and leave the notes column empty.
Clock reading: 8:39
